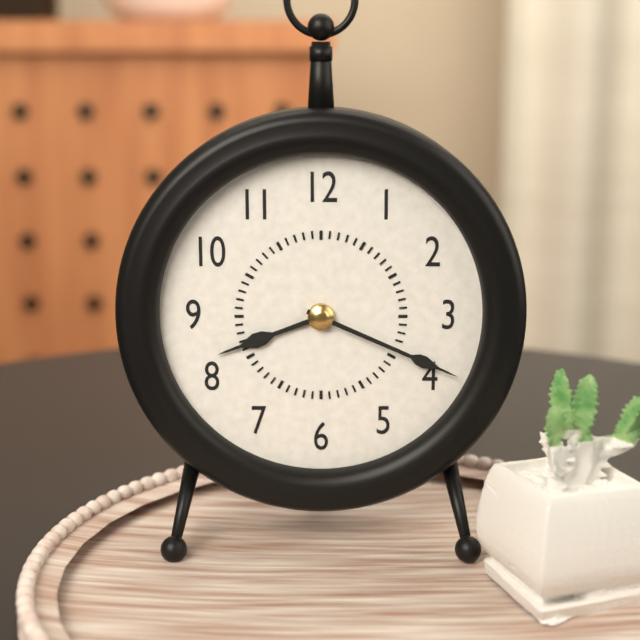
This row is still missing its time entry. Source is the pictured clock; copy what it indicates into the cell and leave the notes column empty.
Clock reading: 8:19
